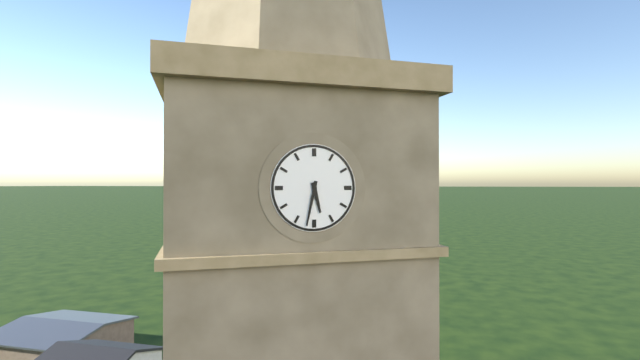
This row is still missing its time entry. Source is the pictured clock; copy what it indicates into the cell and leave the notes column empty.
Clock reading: 5:32
